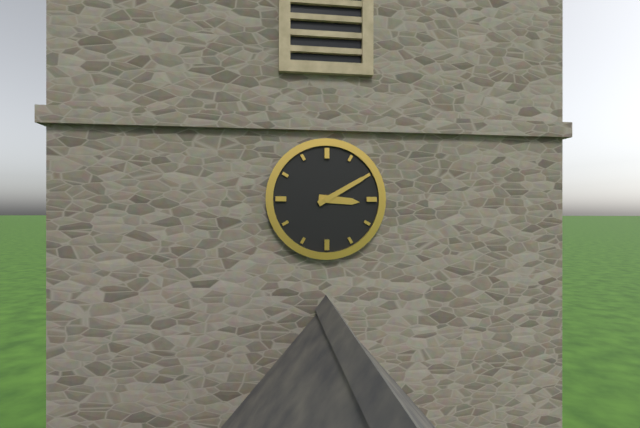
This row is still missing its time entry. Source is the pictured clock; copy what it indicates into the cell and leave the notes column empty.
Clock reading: 3:10
